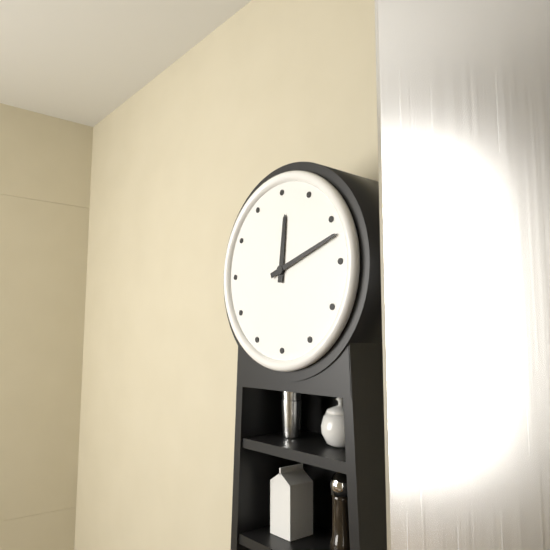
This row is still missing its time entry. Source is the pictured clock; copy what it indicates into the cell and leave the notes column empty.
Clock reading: 12:12
